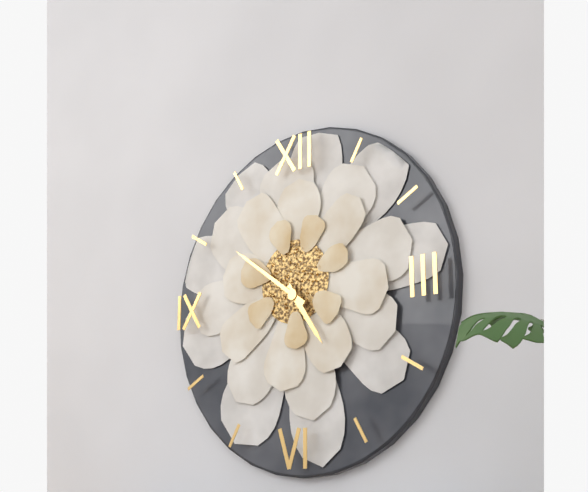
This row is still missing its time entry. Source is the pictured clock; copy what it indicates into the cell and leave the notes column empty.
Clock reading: 4:51
